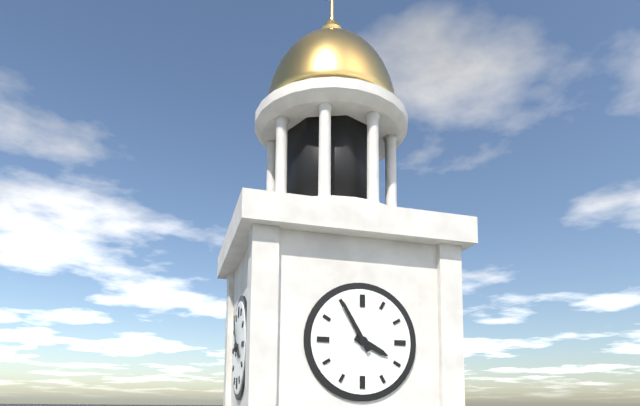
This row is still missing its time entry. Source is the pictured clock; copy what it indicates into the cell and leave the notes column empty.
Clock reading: 3:55
